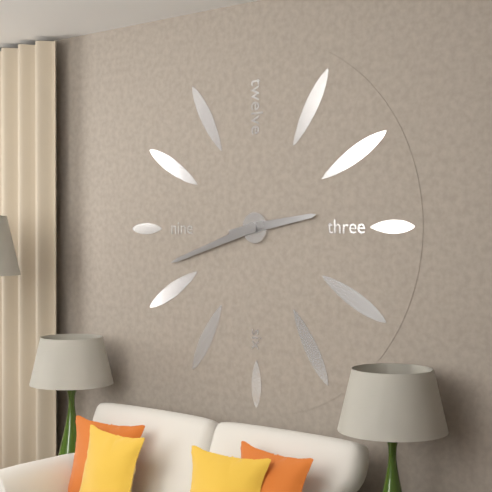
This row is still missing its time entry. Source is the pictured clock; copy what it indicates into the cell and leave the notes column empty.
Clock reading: 2:42
